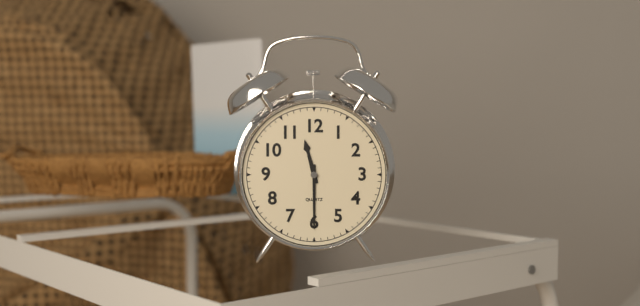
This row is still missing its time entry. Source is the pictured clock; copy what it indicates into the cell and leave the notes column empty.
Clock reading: 11:30
